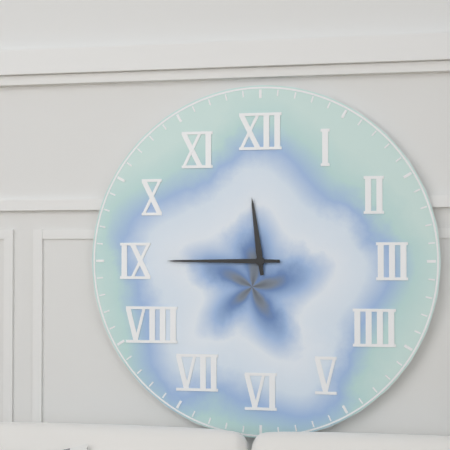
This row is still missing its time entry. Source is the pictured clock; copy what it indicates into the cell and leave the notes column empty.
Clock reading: 11:45
